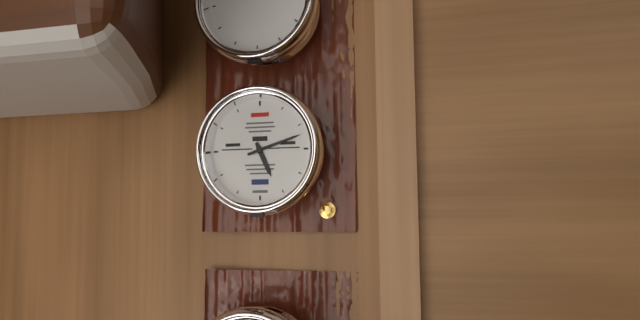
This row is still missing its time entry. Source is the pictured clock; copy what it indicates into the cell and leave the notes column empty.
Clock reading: 5:12
